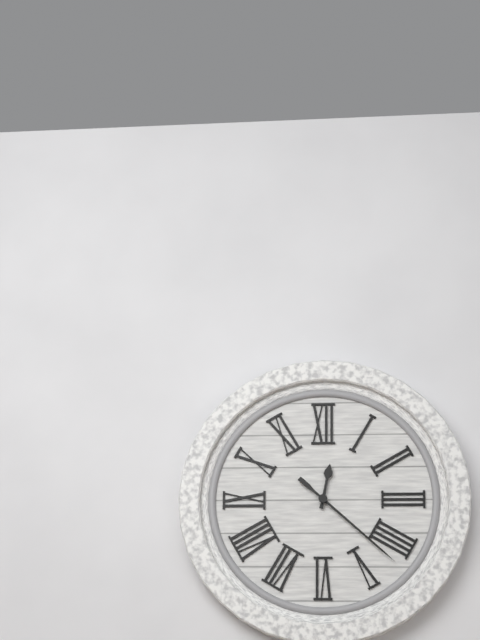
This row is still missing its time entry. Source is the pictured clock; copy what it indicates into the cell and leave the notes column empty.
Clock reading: 12:22
